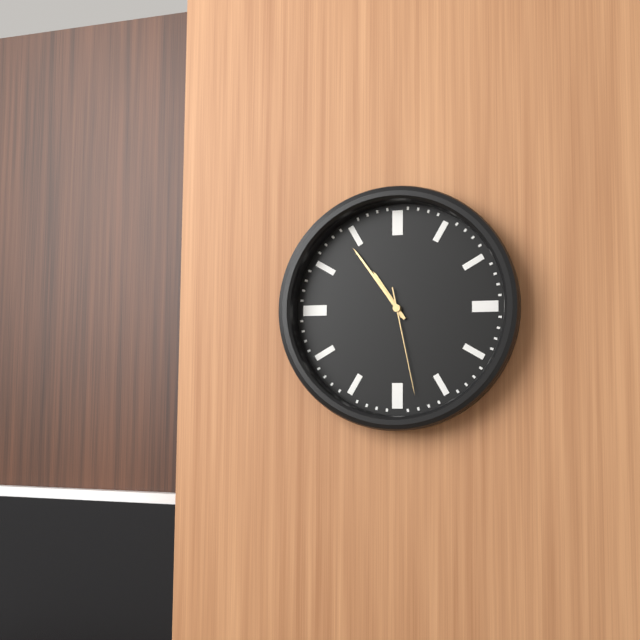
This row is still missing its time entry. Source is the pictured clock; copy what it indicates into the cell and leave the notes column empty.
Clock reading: 10:54:28
